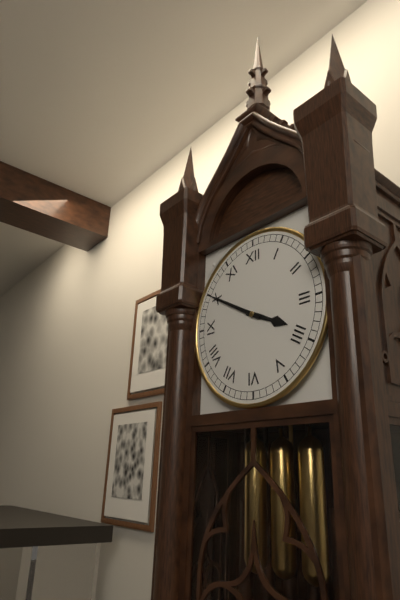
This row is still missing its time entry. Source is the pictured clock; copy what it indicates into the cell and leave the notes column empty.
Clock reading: 3:50
